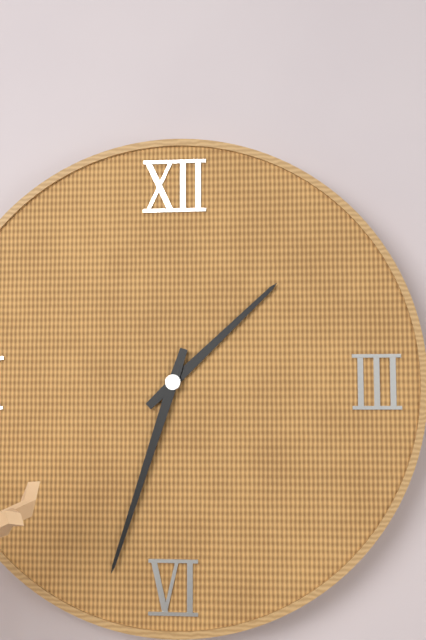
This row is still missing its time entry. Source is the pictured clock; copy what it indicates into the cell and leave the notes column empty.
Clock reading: 1:33
